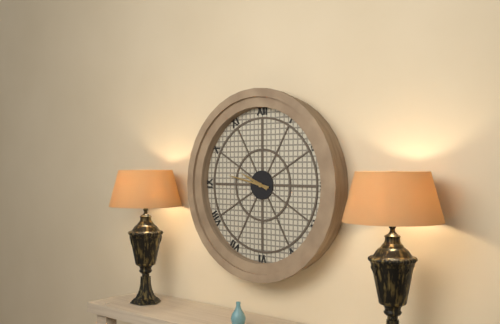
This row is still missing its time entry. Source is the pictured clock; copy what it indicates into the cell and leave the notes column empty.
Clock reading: 9:47
